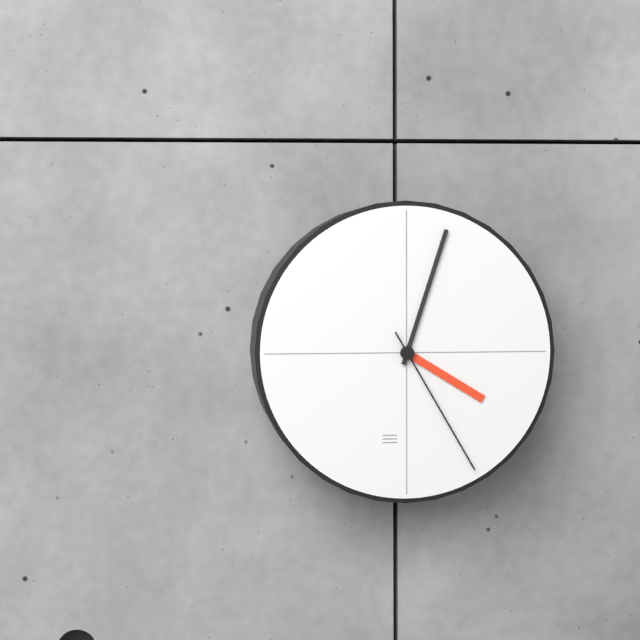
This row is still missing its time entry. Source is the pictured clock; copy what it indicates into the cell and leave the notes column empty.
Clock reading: 4:03:25
